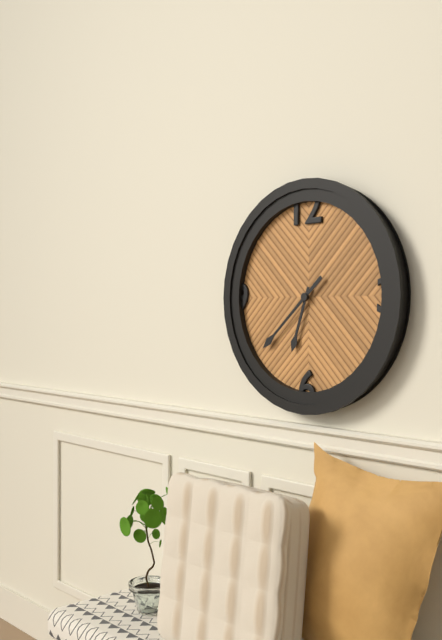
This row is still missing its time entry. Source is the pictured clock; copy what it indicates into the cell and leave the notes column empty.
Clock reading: 6:38
